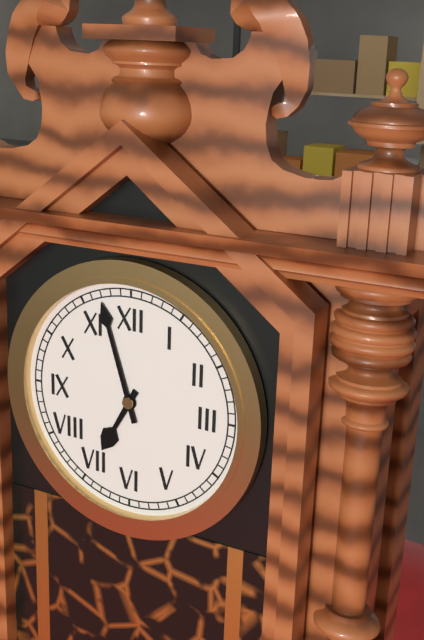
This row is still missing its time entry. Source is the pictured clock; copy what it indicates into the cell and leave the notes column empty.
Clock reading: 6:57
